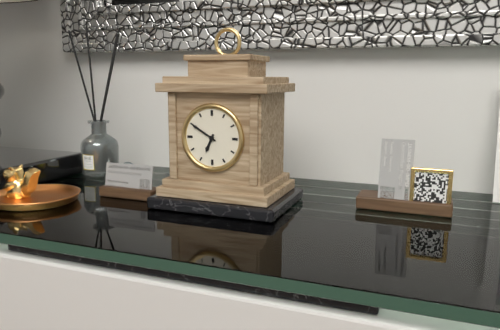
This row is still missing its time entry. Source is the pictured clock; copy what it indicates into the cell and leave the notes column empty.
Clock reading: 6:50
